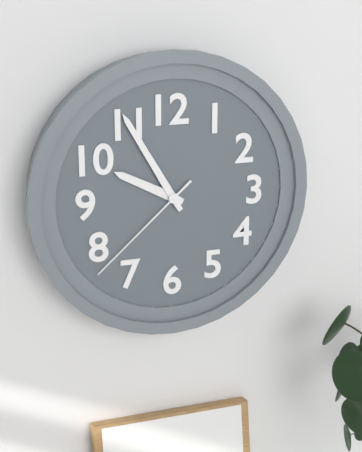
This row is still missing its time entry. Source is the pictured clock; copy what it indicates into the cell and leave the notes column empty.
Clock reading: 9:55:38
